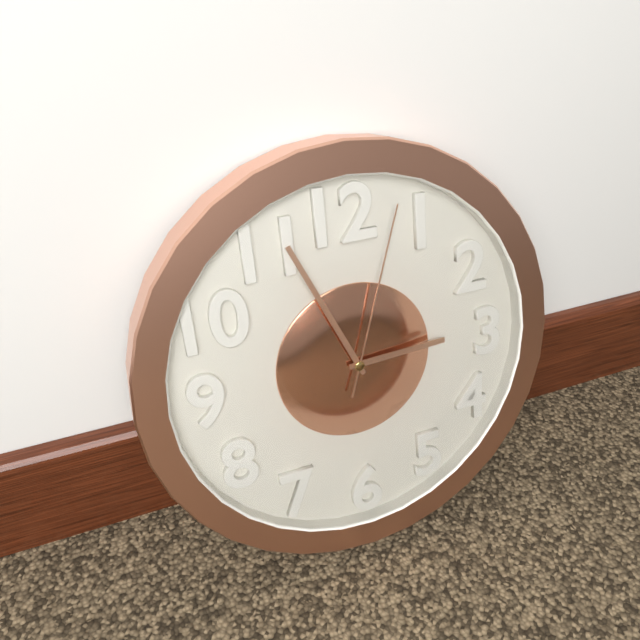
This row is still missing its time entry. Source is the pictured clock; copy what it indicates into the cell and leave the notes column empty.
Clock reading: 2:56:03
